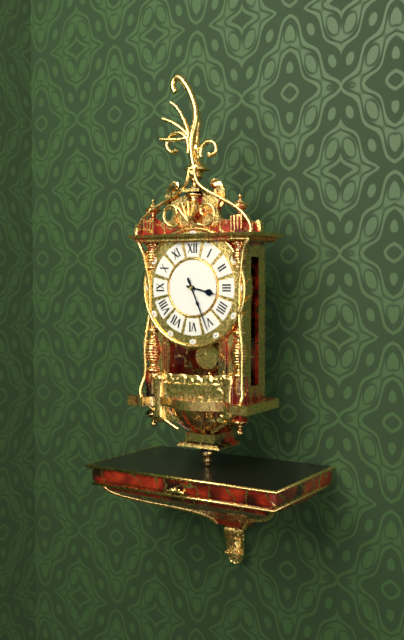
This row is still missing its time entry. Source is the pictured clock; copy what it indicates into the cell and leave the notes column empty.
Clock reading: 3:26
